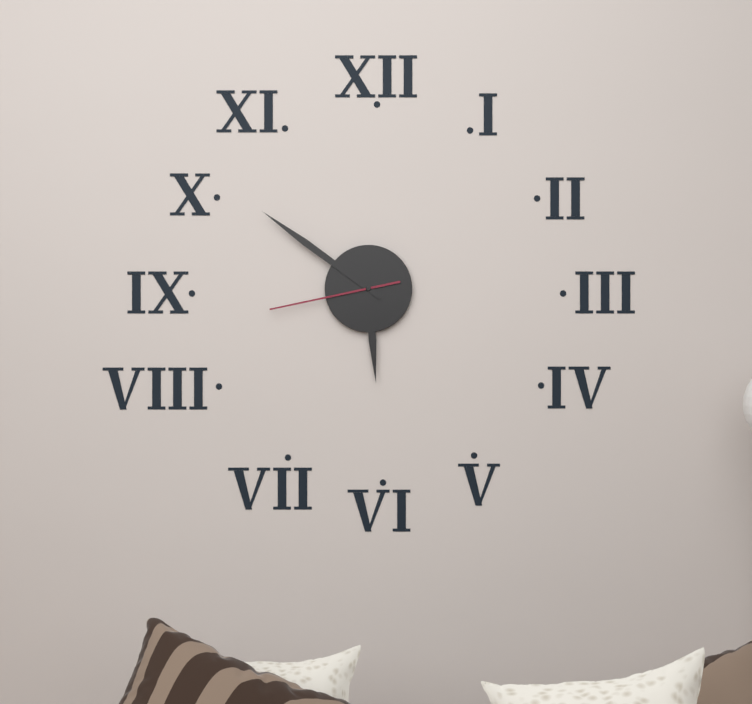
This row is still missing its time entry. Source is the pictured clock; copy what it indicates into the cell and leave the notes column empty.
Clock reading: 5:51:43
